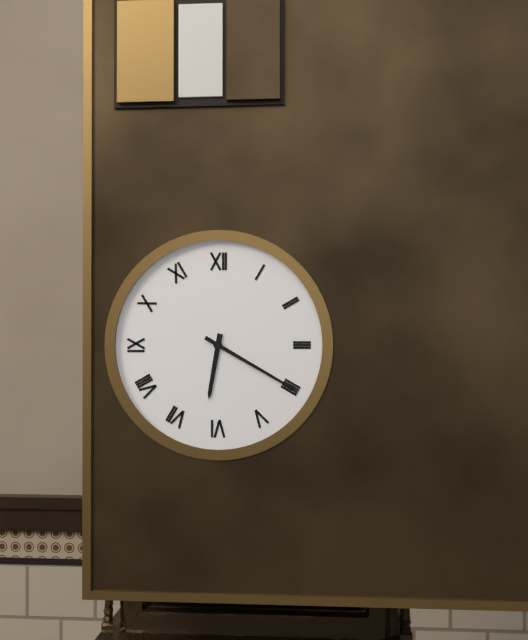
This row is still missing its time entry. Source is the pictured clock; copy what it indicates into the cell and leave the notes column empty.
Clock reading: 6:20
